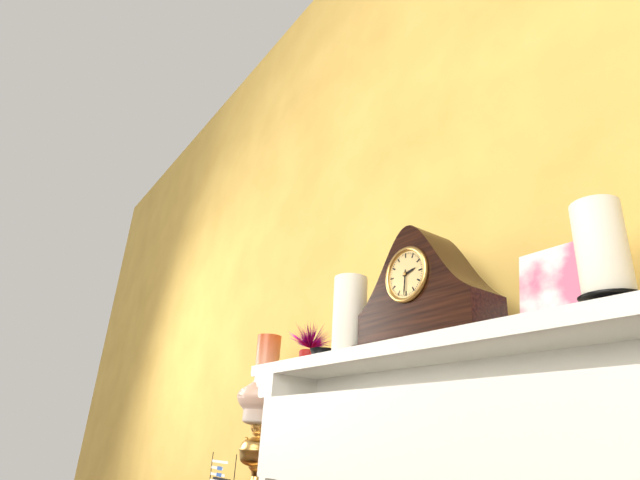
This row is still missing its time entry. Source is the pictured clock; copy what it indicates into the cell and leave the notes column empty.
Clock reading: 2:31
